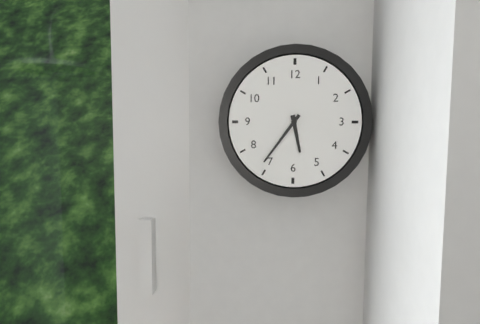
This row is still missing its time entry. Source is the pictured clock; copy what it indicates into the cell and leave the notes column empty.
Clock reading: 5:36
